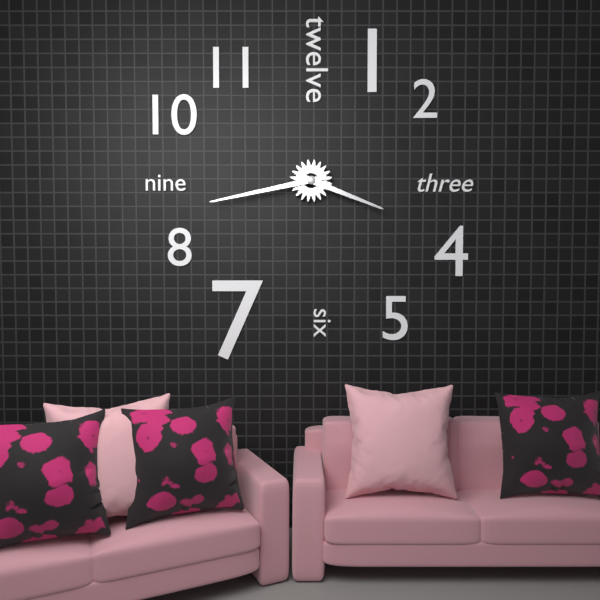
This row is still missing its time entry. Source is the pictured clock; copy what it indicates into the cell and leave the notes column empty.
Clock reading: 3:43
